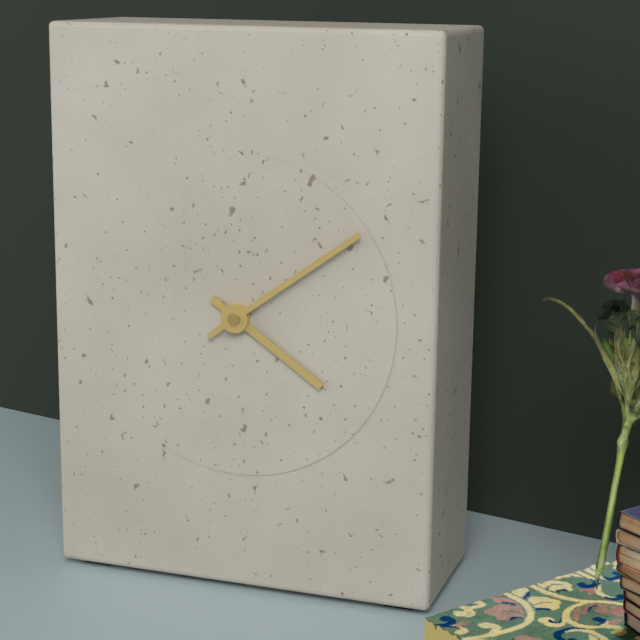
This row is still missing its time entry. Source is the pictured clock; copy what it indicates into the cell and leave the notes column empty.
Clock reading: 4:09
